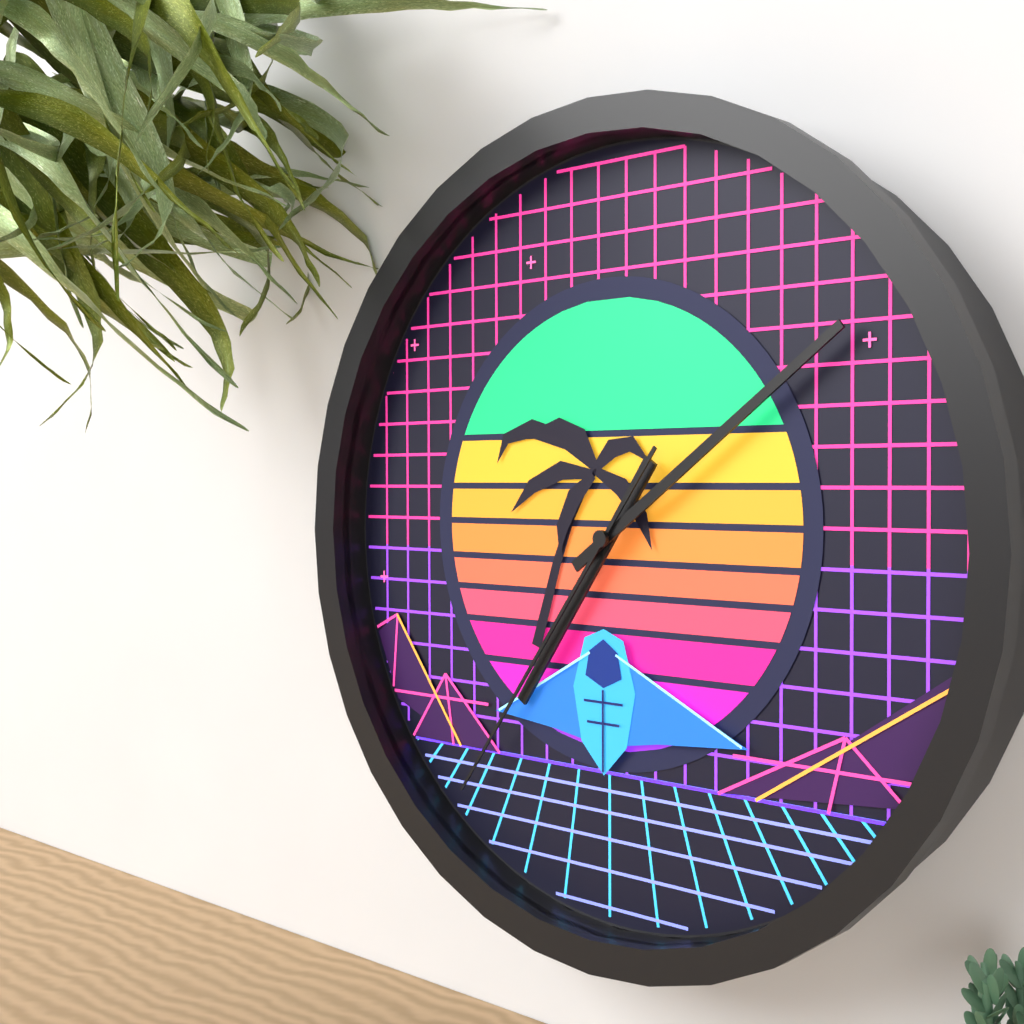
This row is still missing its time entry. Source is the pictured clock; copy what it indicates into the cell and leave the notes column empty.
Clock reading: 7:09:36
